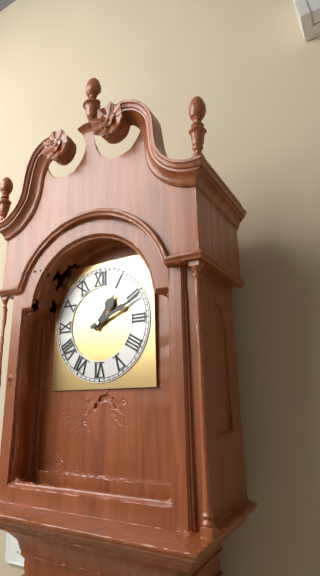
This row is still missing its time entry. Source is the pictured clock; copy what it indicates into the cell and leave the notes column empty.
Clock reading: 1:11
